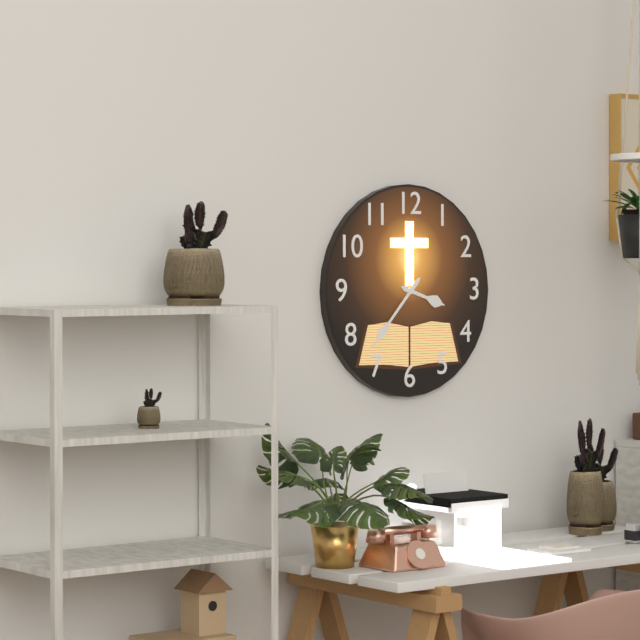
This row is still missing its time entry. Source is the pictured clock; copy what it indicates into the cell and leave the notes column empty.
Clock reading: 3:37
